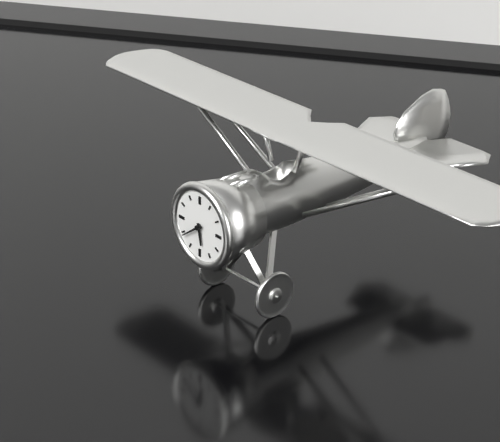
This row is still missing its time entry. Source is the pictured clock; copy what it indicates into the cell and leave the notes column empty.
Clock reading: 5:39
